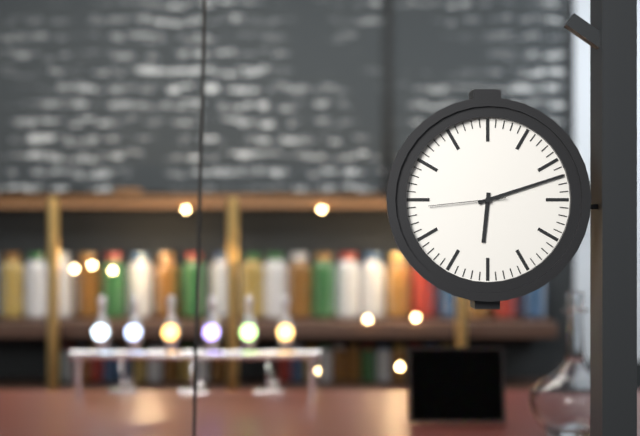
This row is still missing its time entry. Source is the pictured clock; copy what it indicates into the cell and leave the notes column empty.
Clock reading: 6:12:44
